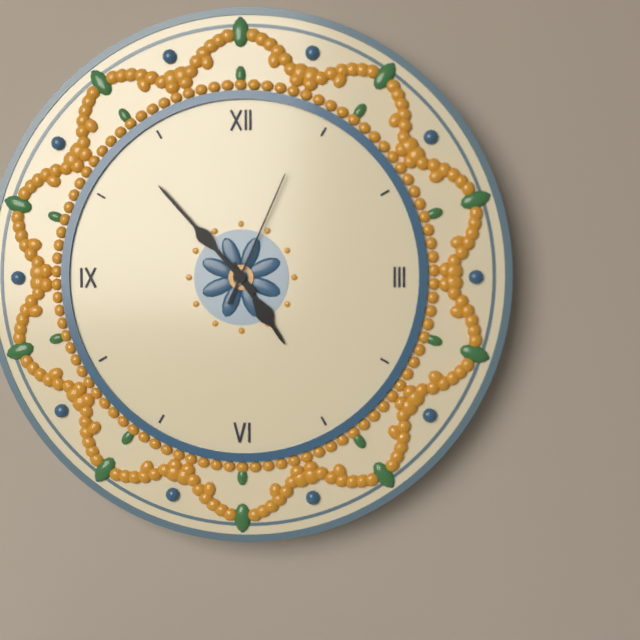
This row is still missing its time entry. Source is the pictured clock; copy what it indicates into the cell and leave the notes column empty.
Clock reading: 4:53:04
